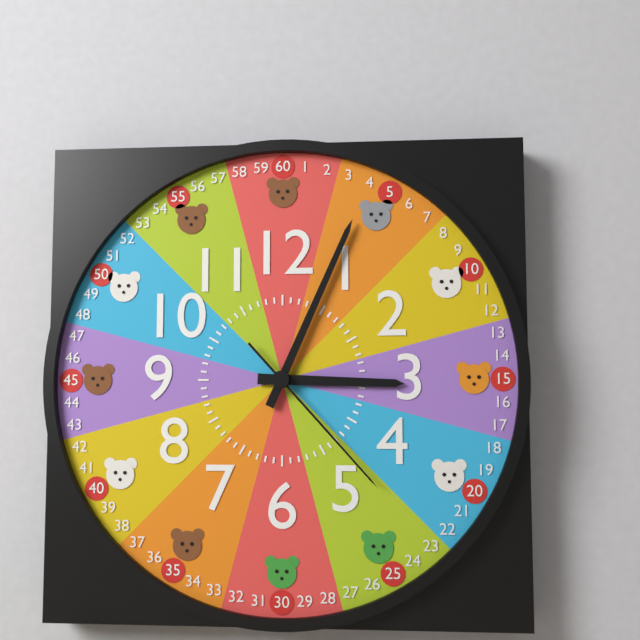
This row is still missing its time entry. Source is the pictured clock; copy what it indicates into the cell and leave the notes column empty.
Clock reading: 3:04:23
